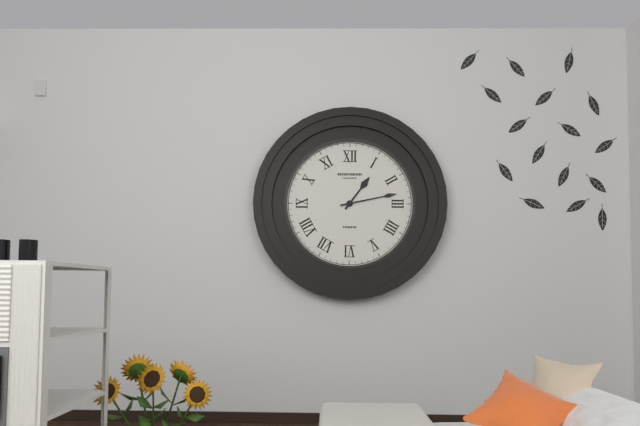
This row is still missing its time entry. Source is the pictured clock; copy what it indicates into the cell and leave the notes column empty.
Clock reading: 1:13
